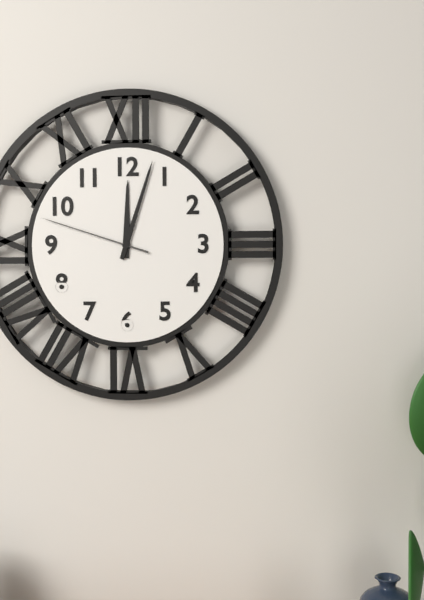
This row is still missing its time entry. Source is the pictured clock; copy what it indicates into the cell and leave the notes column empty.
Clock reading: 12:03:48
